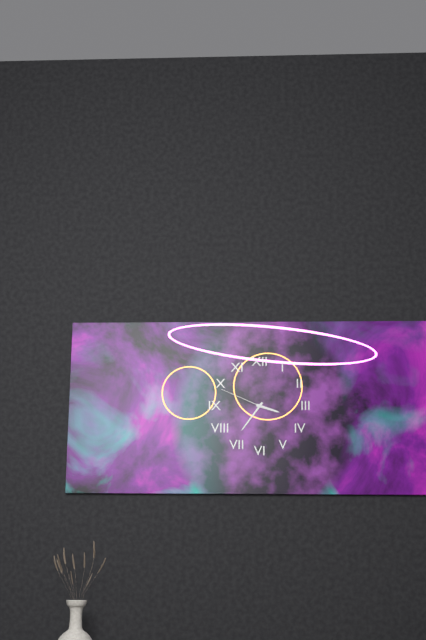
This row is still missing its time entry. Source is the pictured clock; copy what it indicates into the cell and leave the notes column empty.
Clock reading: 3:36:49
